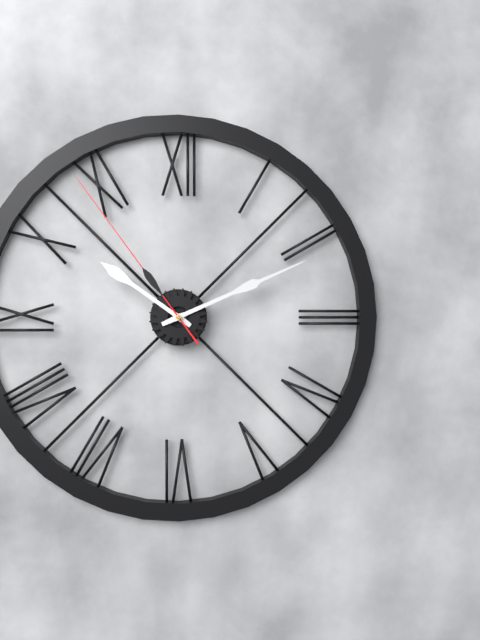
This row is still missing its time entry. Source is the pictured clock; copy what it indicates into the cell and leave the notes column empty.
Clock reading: 10:11:54
